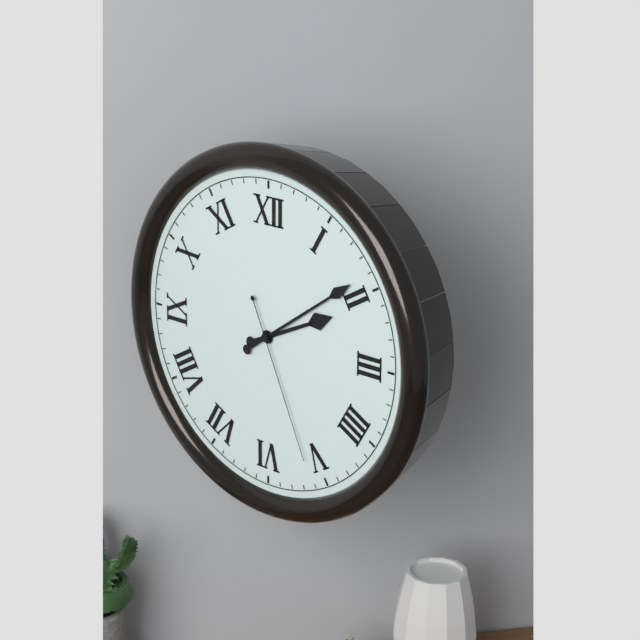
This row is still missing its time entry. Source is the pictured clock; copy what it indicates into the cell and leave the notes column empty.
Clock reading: 2:09:26
